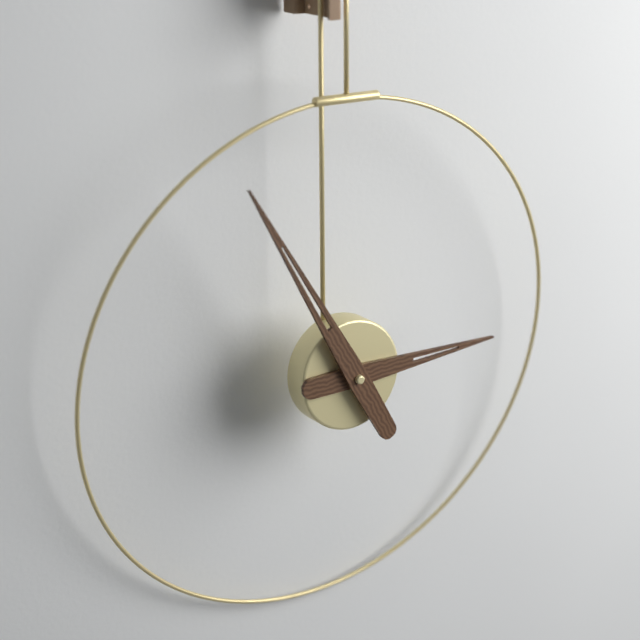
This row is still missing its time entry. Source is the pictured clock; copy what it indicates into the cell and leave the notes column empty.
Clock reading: 2:55
